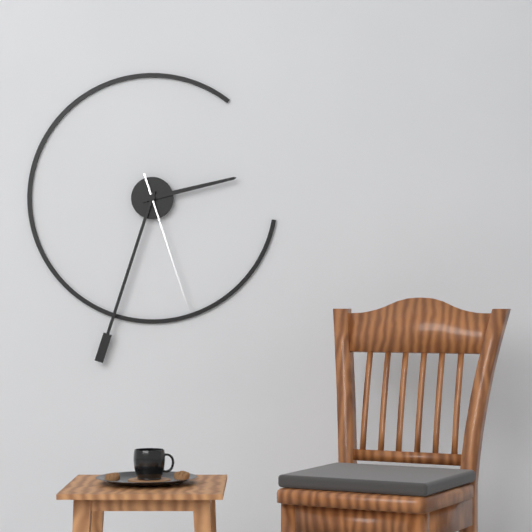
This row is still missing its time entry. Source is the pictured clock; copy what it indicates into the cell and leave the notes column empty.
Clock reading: 2:33:27
